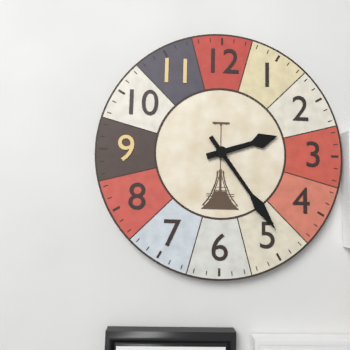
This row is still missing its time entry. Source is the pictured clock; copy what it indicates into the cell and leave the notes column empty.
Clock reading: 2:24
